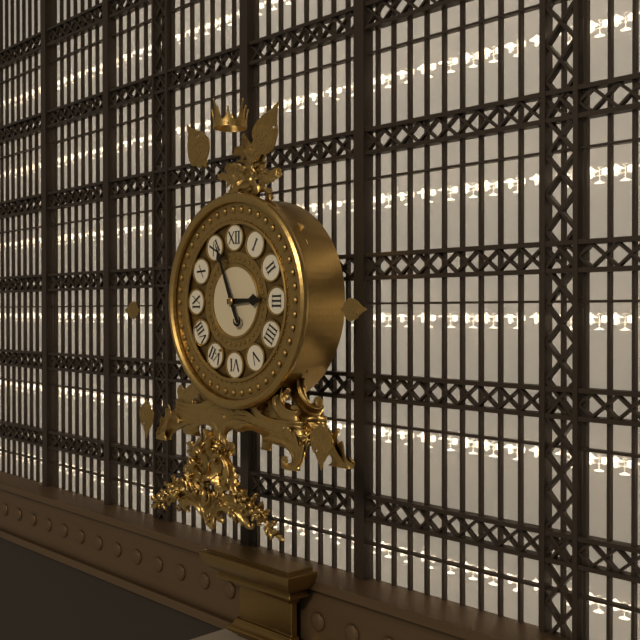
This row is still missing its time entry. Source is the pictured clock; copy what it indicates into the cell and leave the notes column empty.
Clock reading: 2:56
